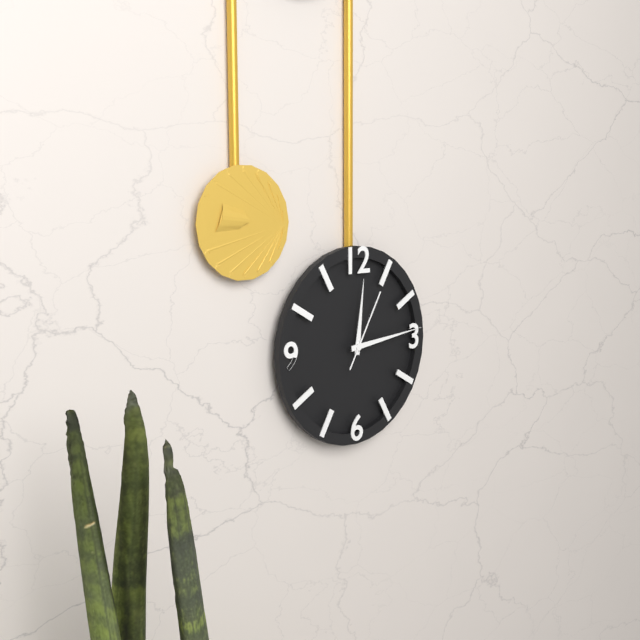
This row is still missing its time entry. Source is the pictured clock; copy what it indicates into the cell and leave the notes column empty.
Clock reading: 12:14:05
